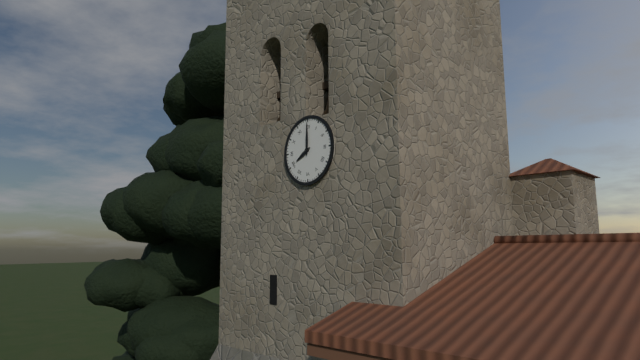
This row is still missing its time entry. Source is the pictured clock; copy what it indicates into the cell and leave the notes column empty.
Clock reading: 8:00
